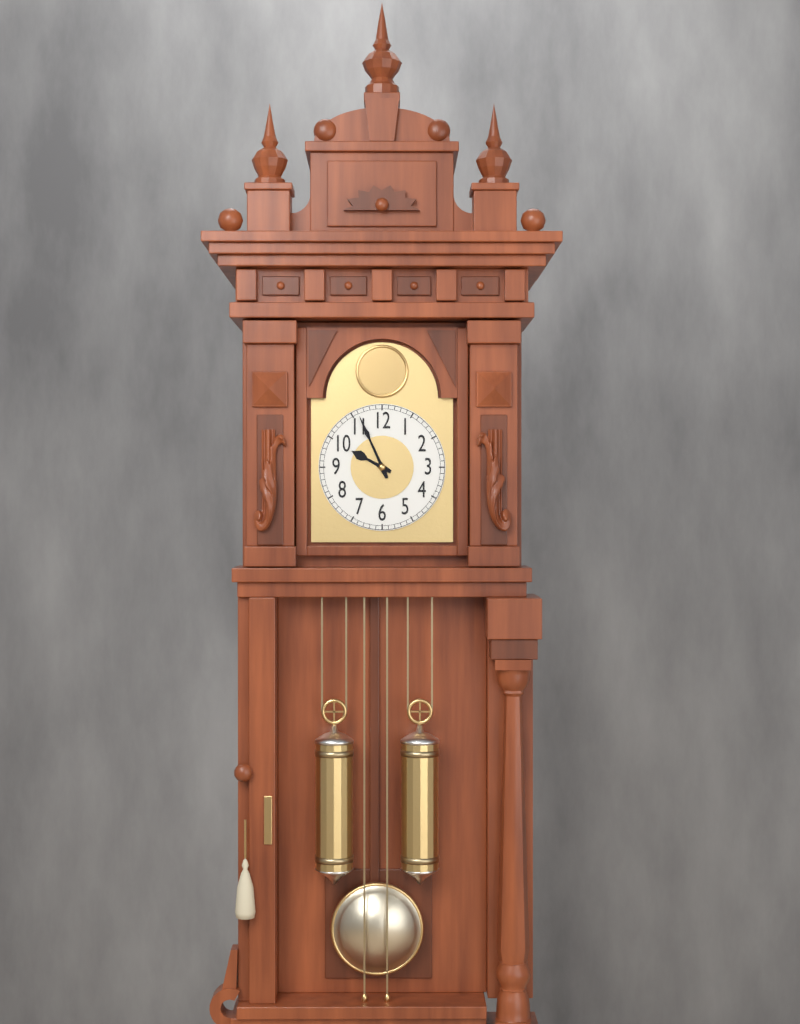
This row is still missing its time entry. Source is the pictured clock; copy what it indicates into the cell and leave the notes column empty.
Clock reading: 9:56
